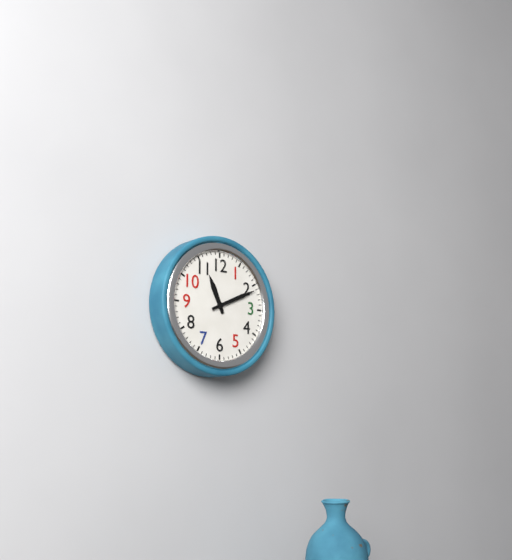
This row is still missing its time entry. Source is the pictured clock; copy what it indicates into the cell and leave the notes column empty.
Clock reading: 11:11
